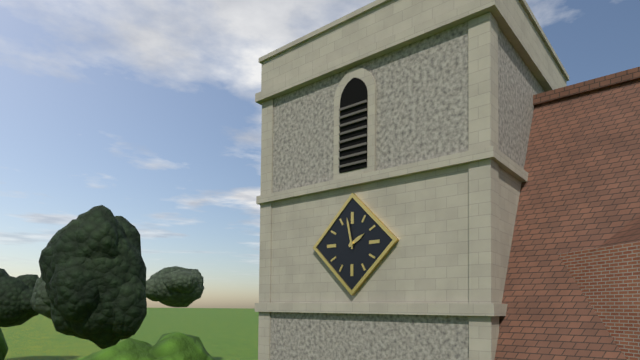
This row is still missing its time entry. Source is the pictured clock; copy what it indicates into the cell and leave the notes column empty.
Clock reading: 1:58
